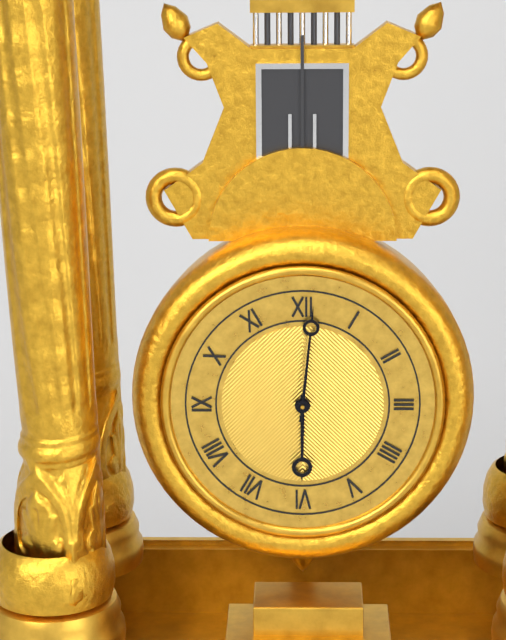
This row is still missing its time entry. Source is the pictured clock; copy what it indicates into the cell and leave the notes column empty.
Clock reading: 6:01
